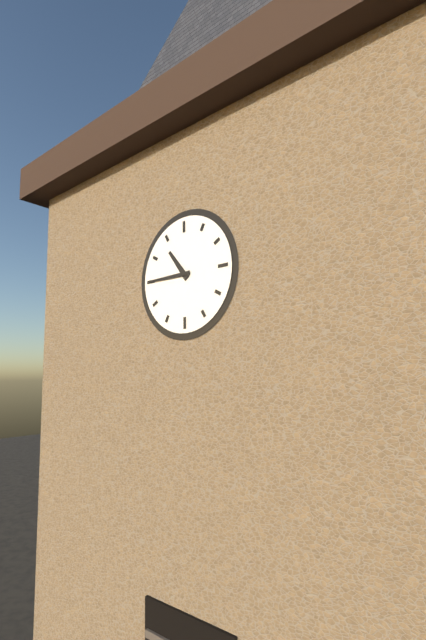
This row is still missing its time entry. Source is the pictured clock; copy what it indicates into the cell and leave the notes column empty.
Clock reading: 10:45
